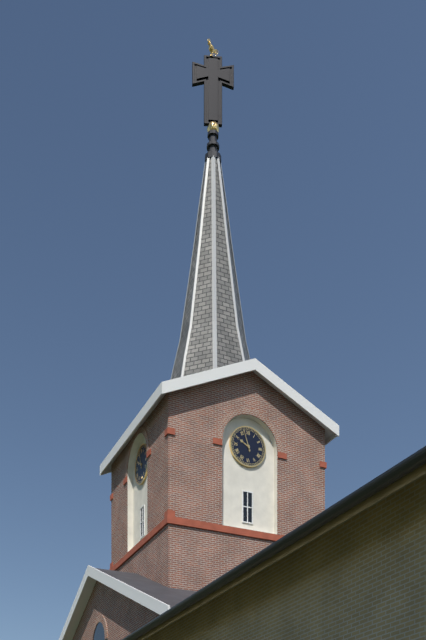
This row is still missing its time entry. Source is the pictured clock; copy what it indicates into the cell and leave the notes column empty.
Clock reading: 9:57
